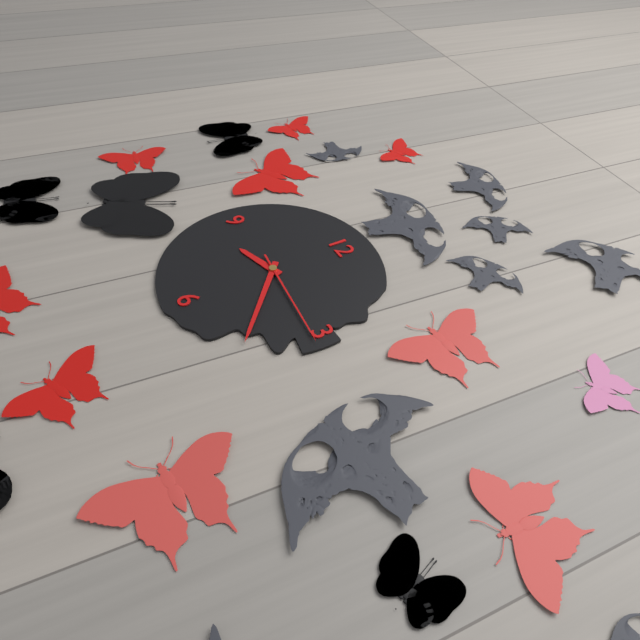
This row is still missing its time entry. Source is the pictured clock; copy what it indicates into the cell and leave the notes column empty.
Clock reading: 8:22:16
